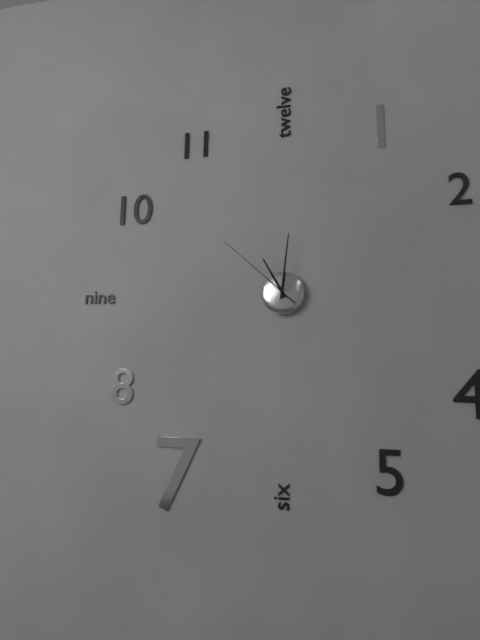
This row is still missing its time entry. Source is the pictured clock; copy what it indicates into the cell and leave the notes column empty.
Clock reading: 11:01:52
